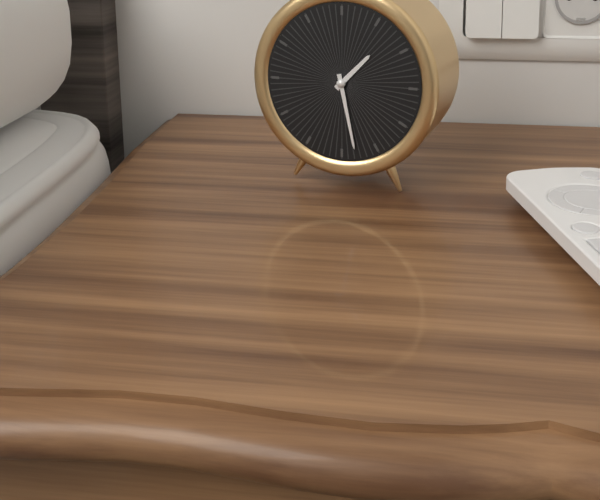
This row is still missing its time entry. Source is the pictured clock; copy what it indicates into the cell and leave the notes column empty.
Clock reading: 1:28
